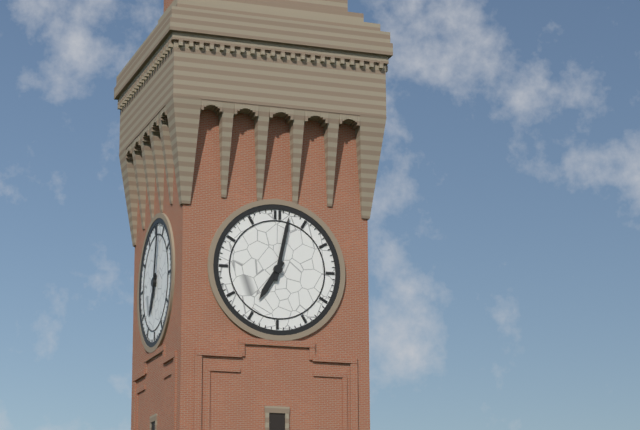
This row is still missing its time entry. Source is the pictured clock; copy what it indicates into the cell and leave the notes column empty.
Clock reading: 7:02
